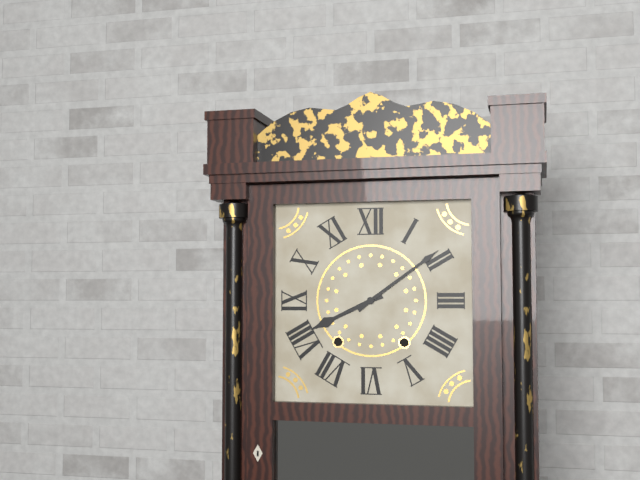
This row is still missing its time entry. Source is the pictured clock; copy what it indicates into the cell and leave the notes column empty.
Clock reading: 8:09
